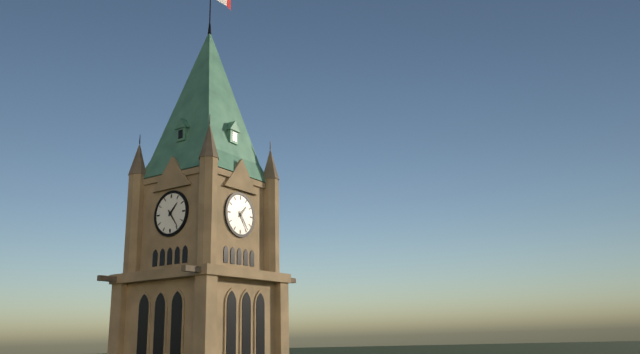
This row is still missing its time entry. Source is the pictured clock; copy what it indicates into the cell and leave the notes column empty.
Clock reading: 1:24
